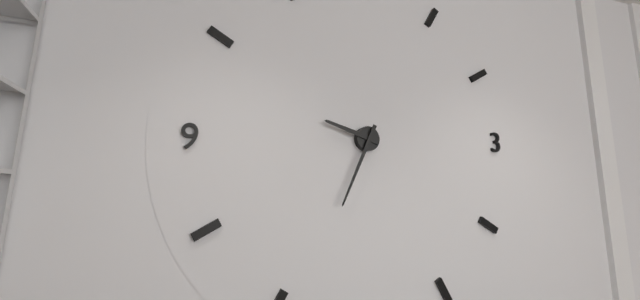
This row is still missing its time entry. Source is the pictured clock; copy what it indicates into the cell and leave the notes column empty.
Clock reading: 9:34
